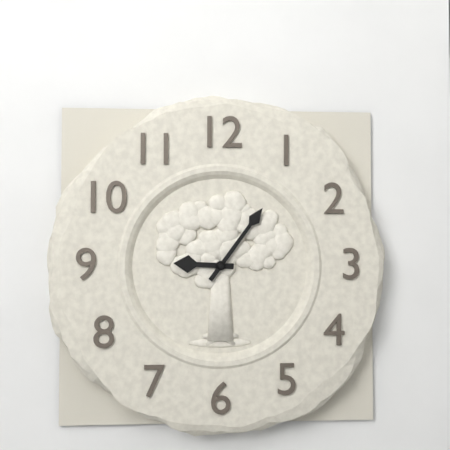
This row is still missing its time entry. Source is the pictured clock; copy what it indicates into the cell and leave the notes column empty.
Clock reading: 9:06
